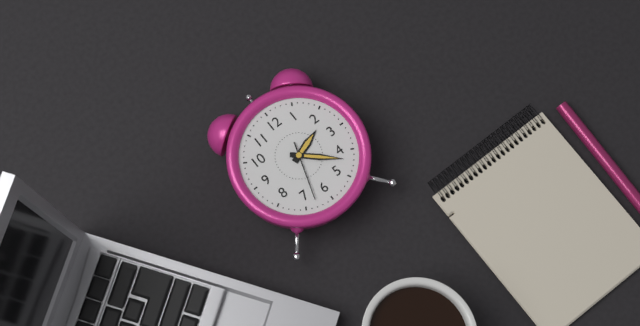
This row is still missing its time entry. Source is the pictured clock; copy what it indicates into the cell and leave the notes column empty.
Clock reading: 2:22:33
